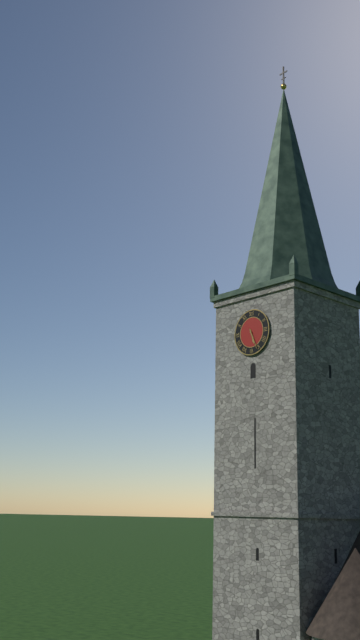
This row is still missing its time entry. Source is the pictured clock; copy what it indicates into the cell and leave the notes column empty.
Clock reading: 5:26
